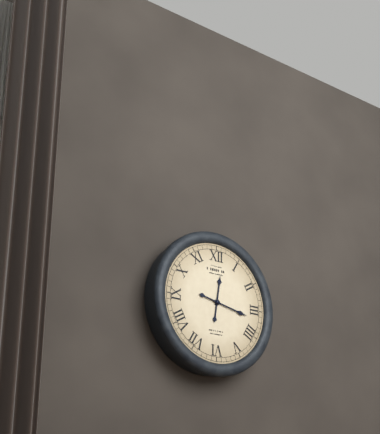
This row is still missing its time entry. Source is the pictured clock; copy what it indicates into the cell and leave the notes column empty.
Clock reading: 12:17
